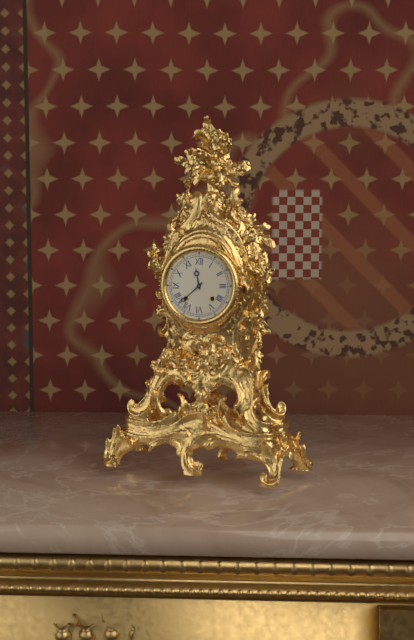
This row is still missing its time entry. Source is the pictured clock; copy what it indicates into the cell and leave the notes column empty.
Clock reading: 11:38
